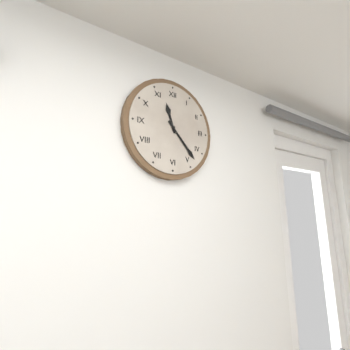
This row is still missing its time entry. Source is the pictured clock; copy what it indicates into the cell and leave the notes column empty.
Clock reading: 11:23
